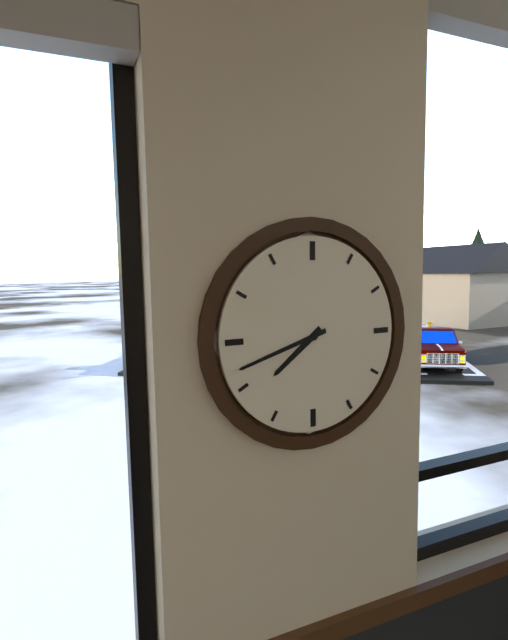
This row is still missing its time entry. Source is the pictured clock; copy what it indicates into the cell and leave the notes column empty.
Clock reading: 7:42
